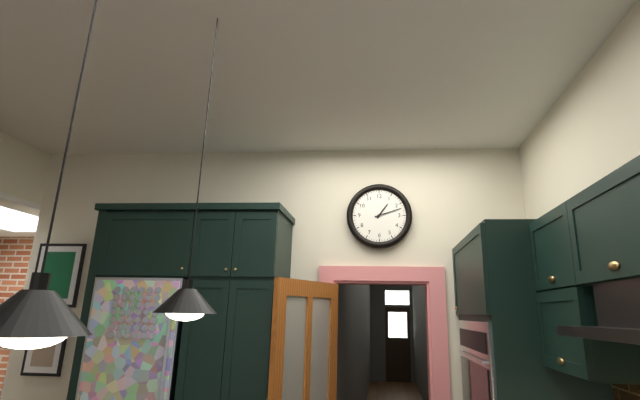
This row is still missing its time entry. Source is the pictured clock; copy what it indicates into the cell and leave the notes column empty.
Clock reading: 1:12
